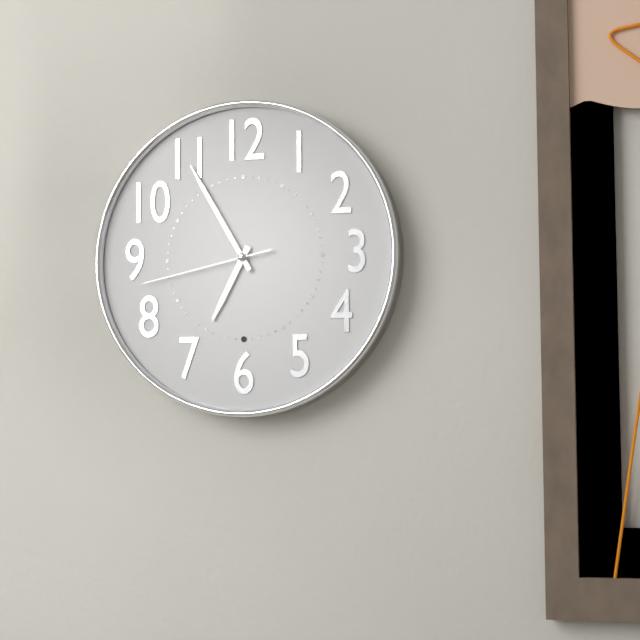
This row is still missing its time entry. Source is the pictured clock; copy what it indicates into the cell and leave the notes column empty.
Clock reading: 6:55:43
